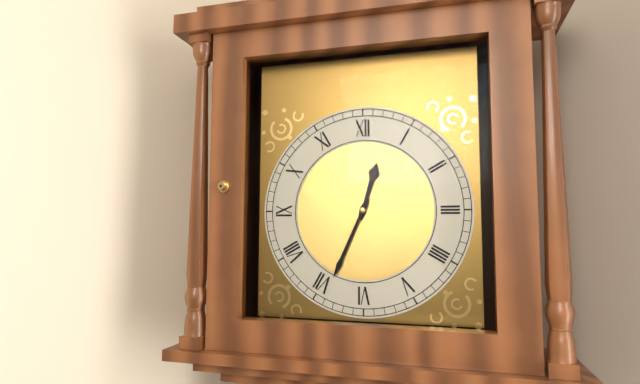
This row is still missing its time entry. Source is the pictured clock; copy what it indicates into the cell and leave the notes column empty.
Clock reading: 12:34
